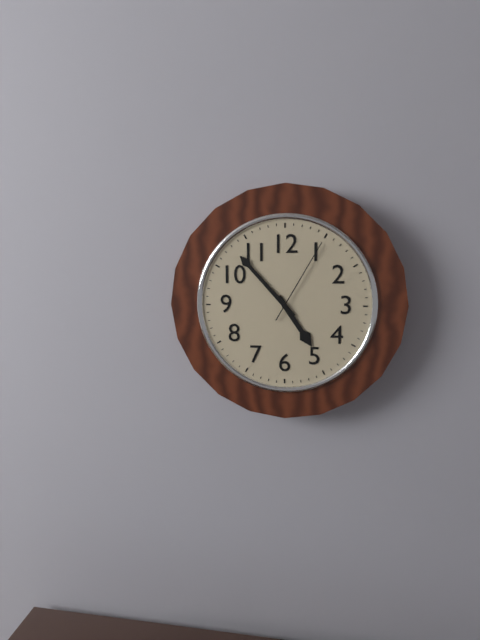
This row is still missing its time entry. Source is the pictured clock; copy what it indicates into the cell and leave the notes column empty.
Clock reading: 4:53:05
